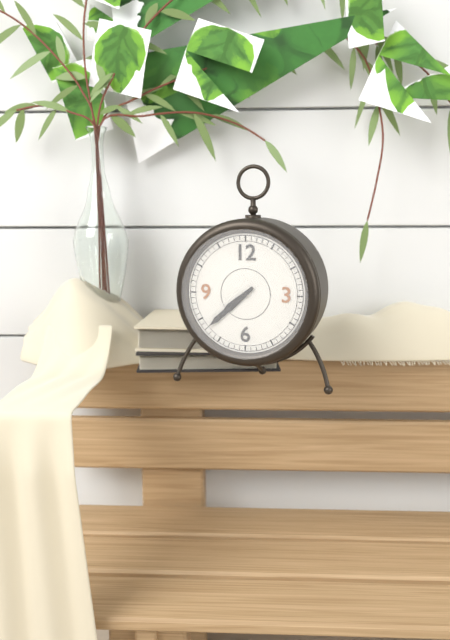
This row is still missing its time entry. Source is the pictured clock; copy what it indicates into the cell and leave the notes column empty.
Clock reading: 7:38
